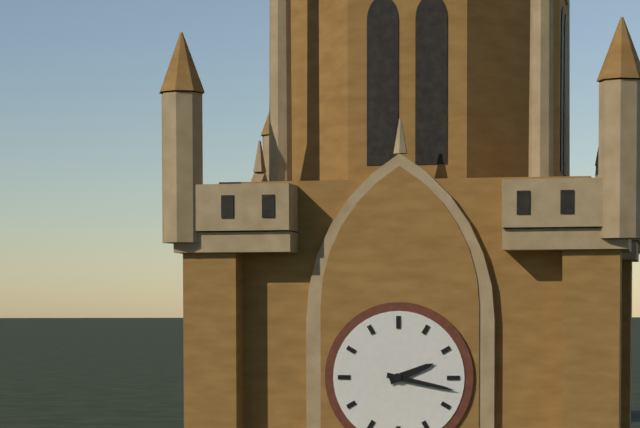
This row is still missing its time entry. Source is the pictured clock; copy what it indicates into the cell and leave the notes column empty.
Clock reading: 2:17
